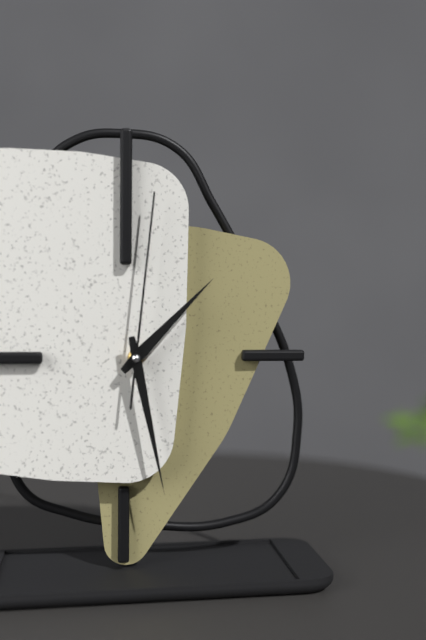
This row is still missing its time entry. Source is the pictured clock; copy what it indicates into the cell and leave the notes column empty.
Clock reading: 1:28:01
